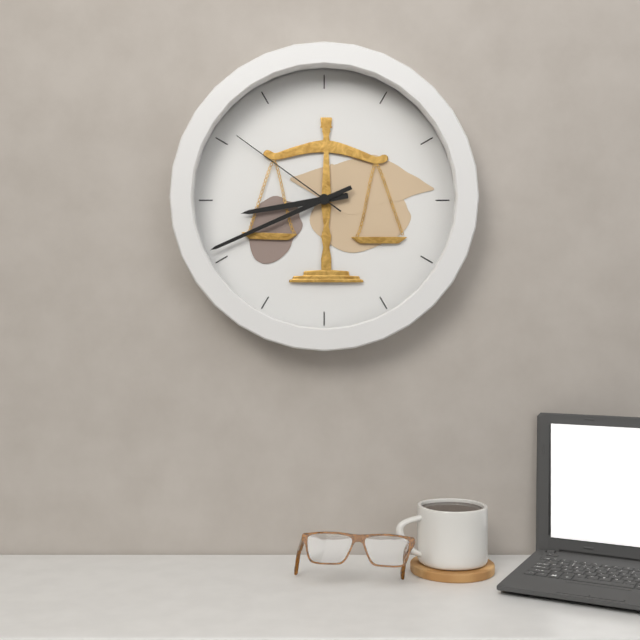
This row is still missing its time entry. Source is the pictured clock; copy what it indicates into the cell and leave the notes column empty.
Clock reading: 8:41:51
